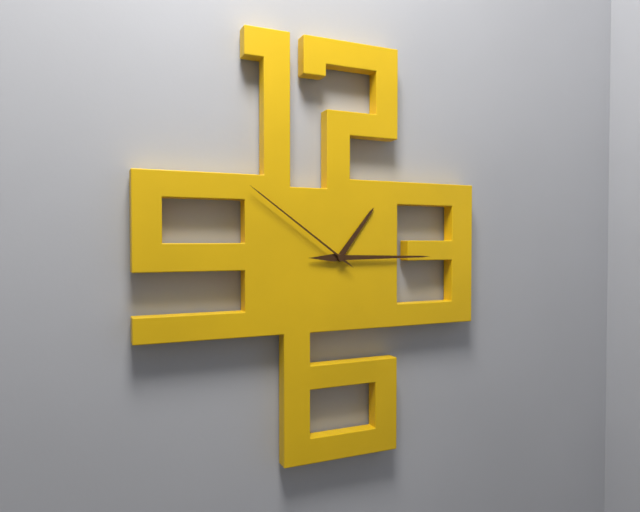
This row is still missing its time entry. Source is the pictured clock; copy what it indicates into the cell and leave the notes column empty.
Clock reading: 1:15:51
